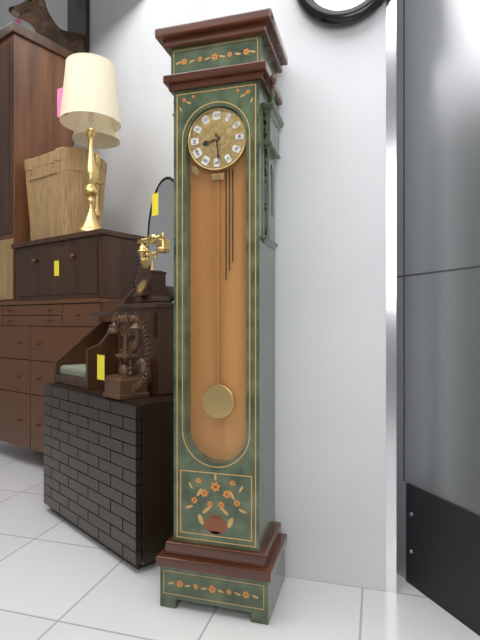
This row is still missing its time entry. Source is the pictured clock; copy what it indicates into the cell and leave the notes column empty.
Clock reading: 8:29
